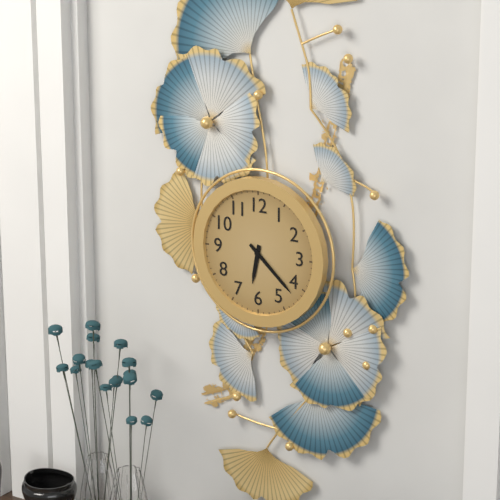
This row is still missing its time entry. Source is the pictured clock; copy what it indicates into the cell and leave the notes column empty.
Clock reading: 6:22
